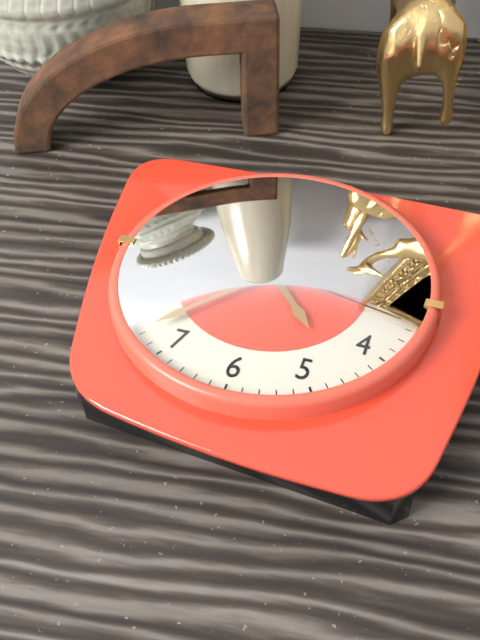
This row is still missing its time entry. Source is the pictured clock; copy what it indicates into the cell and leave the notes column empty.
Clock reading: 4:37:17
